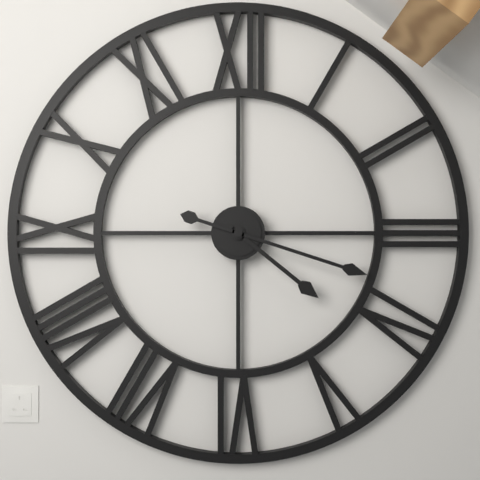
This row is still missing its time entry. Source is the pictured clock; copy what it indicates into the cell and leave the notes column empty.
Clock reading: 4:18
